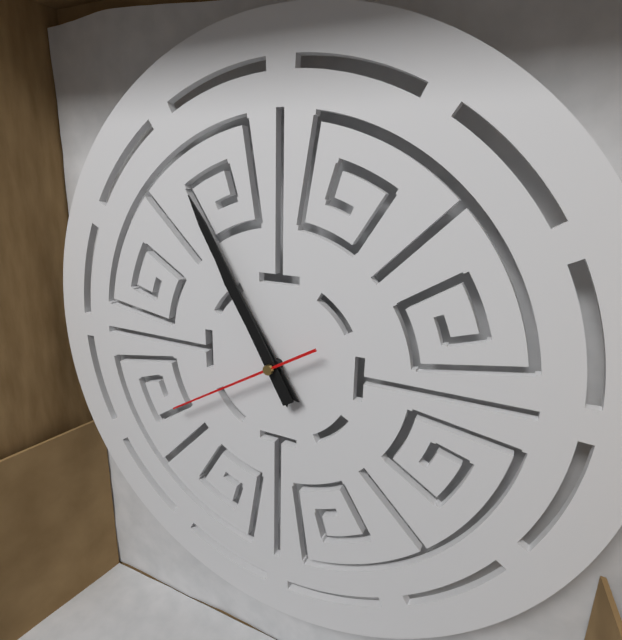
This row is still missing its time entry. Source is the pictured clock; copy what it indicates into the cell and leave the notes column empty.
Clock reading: 10:55:40
